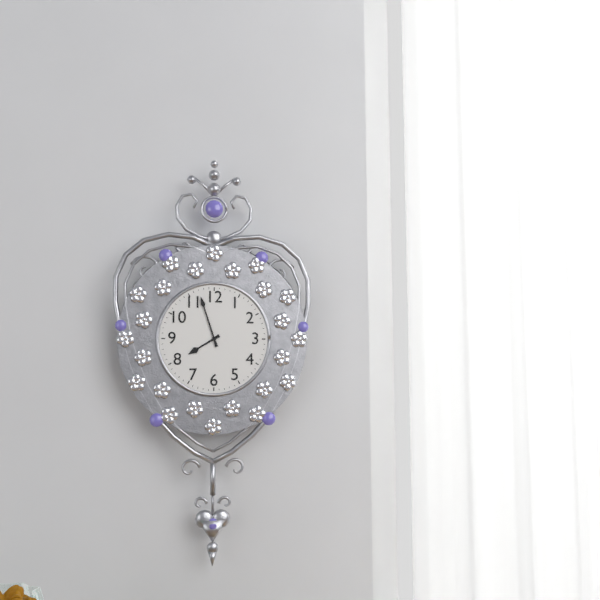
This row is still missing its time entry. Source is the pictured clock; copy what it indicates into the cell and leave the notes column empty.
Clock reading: 7:57
